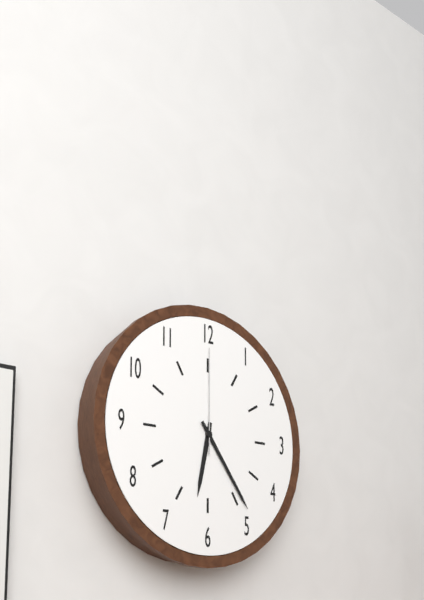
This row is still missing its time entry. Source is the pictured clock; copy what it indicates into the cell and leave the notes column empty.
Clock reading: 6:24:00
